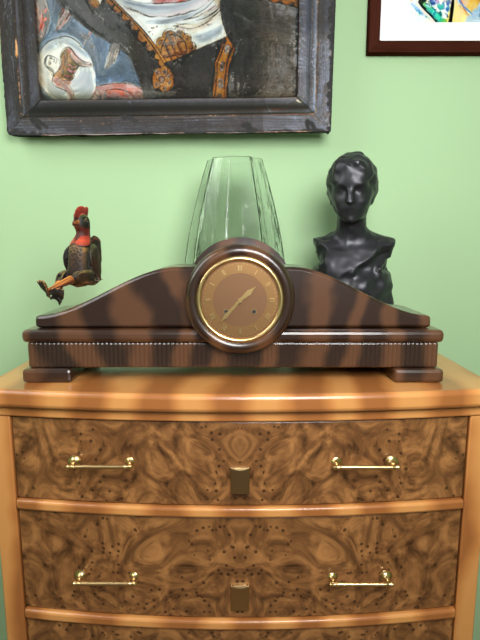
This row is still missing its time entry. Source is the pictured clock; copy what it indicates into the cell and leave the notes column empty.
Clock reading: 1:37
